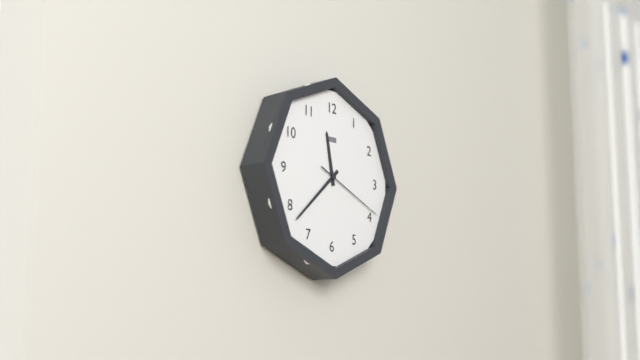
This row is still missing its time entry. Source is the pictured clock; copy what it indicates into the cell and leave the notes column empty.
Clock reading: 11:38:19
